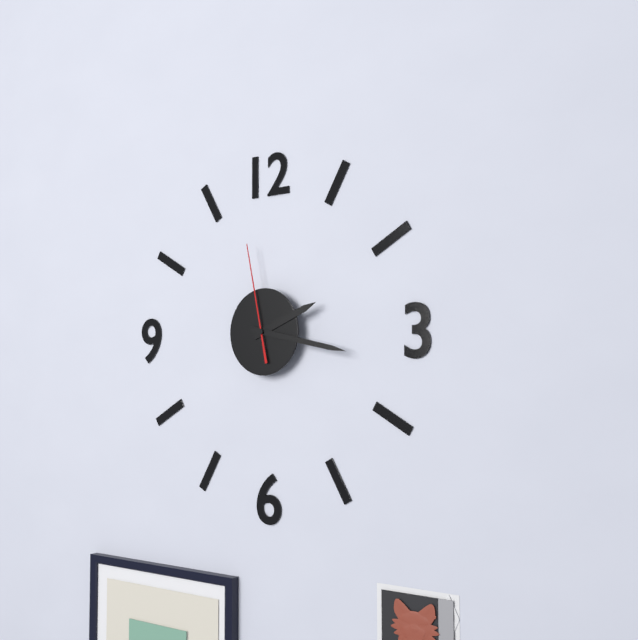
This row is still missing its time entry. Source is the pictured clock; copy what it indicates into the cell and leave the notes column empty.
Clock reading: 2:17:58
